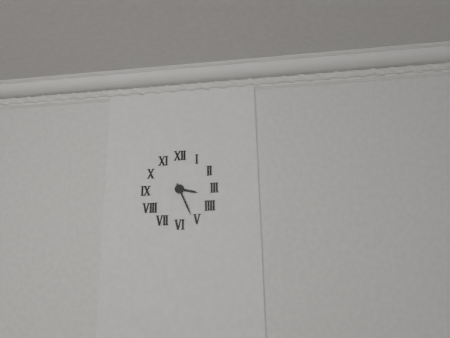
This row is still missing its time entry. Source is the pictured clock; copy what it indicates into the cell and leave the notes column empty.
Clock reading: 3:26
